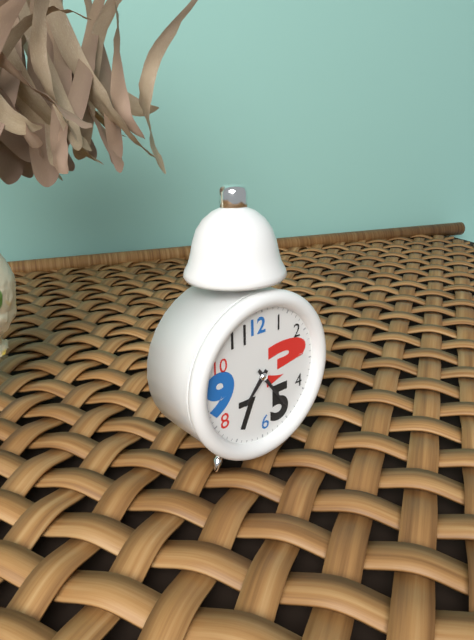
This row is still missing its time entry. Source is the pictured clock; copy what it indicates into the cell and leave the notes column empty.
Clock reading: 7:24
